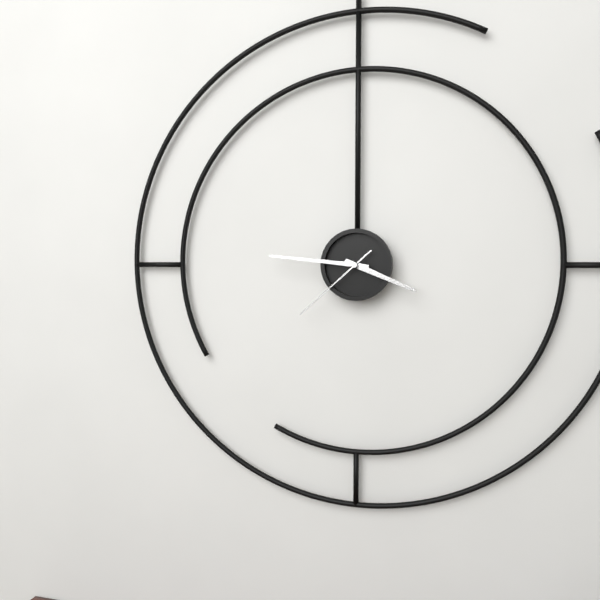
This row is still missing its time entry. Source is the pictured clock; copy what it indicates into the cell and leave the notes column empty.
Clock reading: 3:46:38
